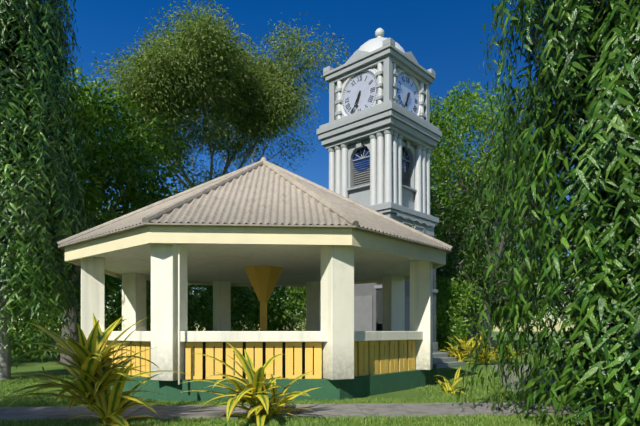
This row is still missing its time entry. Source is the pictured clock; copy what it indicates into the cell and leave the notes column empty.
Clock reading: 6:35
